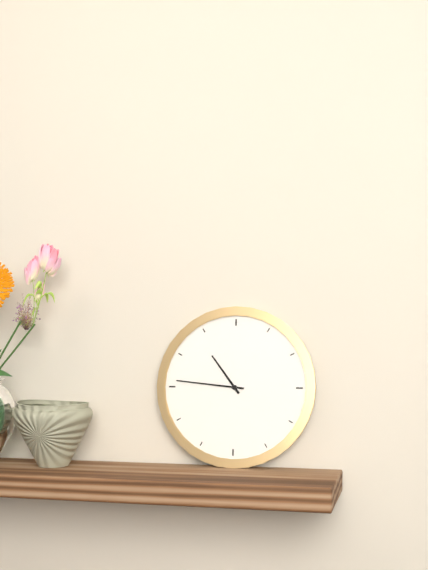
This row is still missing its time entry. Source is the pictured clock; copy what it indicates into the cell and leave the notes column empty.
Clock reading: 10:46
